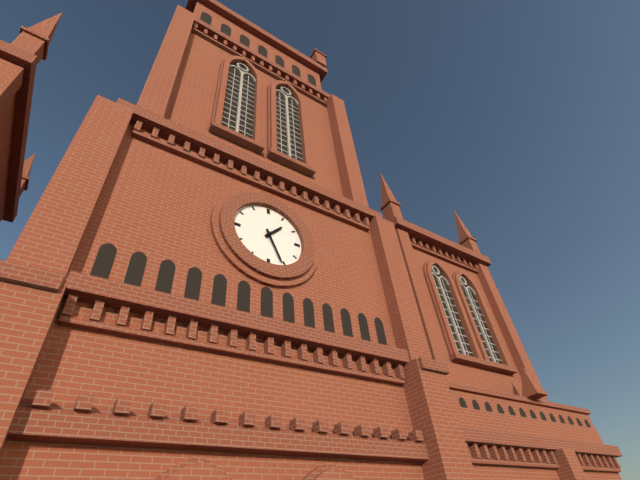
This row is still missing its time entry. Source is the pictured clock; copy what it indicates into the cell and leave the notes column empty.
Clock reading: 1:26
